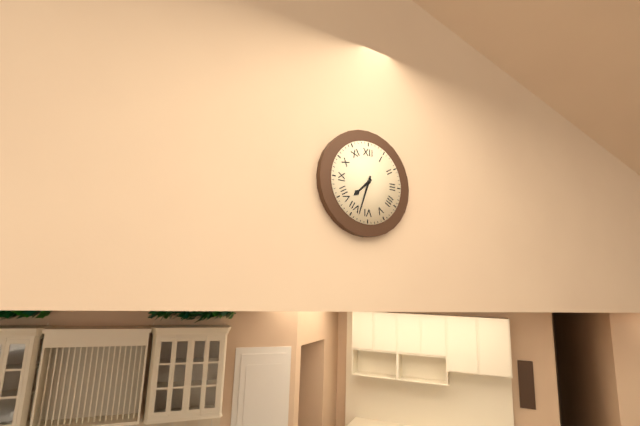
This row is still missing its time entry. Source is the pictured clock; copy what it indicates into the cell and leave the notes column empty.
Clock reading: 7:33
